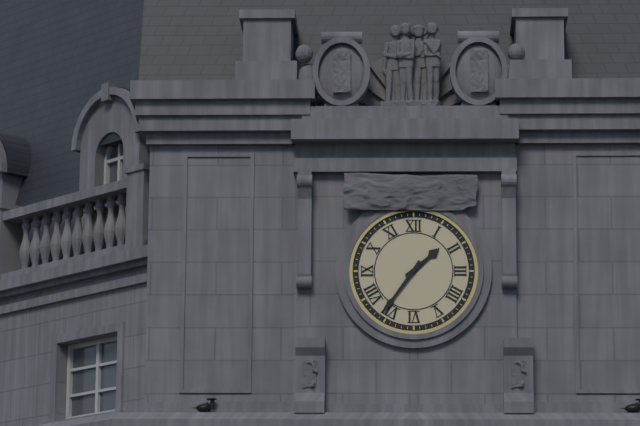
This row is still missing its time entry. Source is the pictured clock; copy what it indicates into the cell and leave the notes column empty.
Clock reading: 1:36
